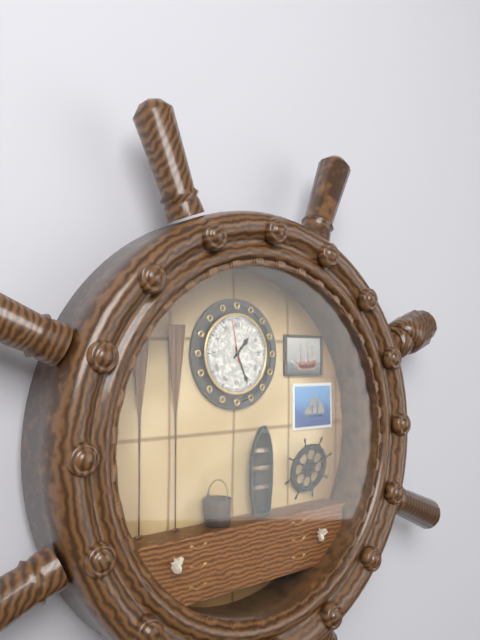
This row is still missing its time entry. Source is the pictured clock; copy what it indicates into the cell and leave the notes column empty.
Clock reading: 1:26
